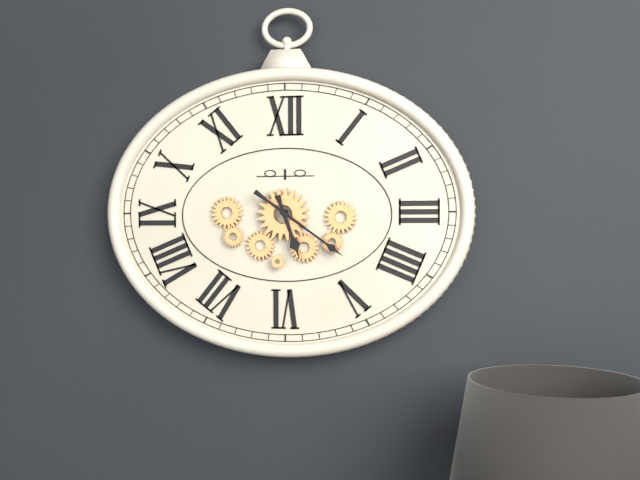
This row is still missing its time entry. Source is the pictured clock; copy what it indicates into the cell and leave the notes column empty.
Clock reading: 5:21
